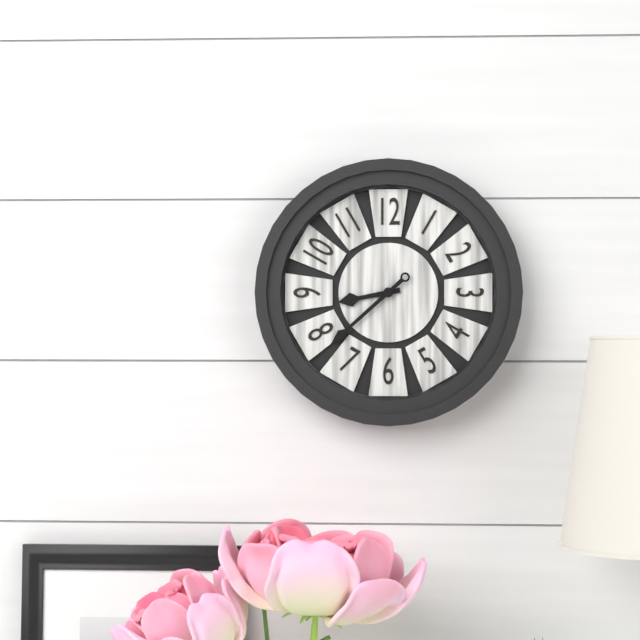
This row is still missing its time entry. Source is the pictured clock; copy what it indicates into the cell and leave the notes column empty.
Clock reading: 8:38
